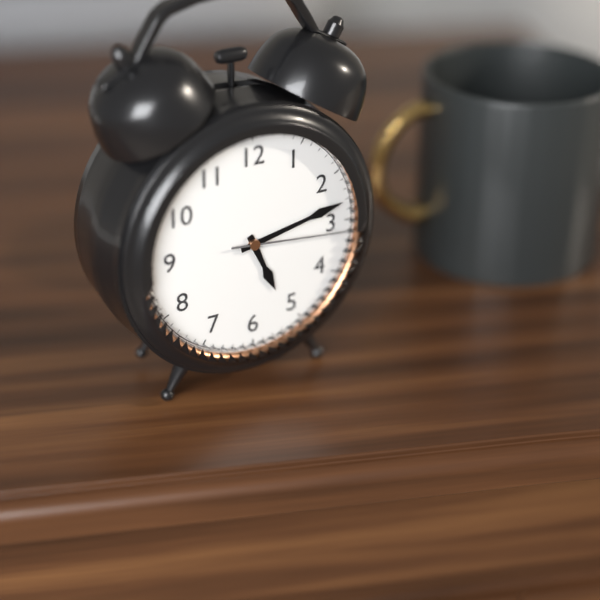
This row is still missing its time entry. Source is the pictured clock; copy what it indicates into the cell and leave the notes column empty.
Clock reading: 5:13:16
